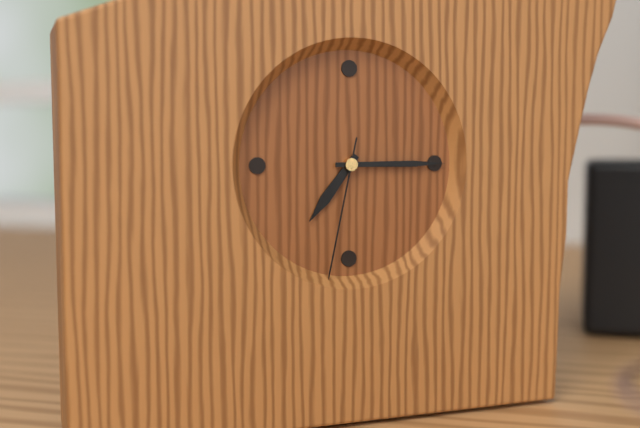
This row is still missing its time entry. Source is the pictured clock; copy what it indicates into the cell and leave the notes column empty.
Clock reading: 7:15:32
